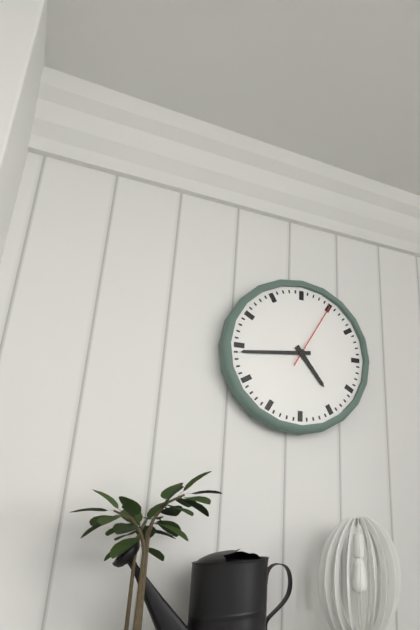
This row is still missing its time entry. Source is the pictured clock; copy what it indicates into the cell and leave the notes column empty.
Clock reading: 4:44:05
